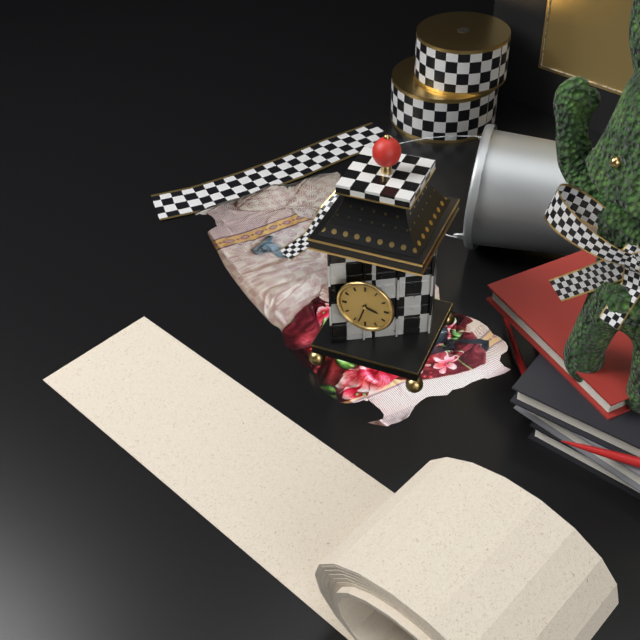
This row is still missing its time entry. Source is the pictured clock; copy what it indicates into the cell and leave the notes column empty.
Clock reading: 3:33
